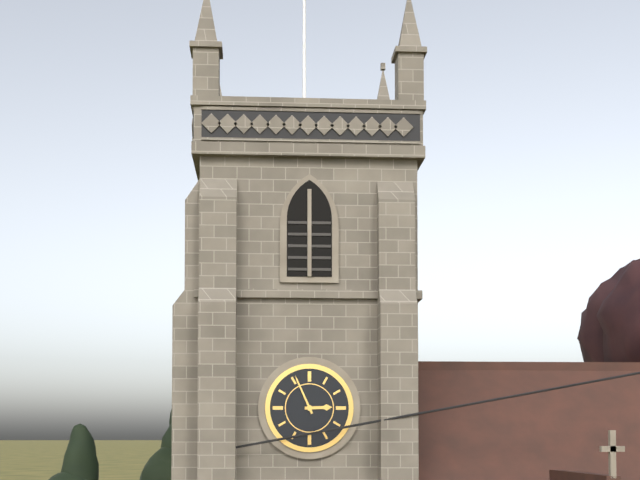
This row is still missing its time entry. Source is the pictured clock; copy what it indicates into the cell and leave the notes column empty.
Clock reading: 2:56
